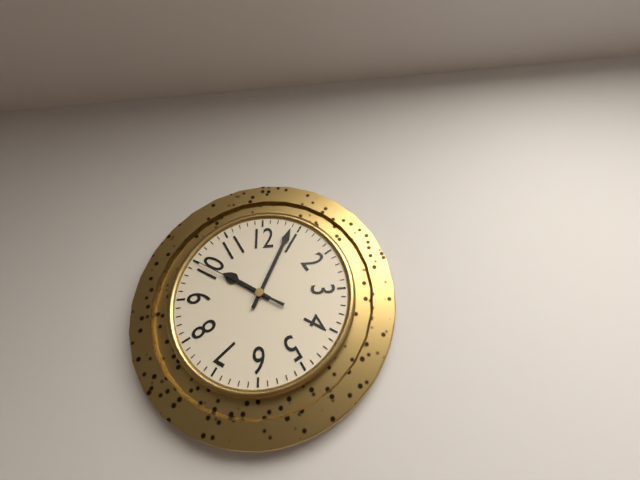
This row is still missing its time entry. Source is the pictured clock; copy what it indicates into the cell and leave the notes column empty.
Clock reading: 10:04:50
